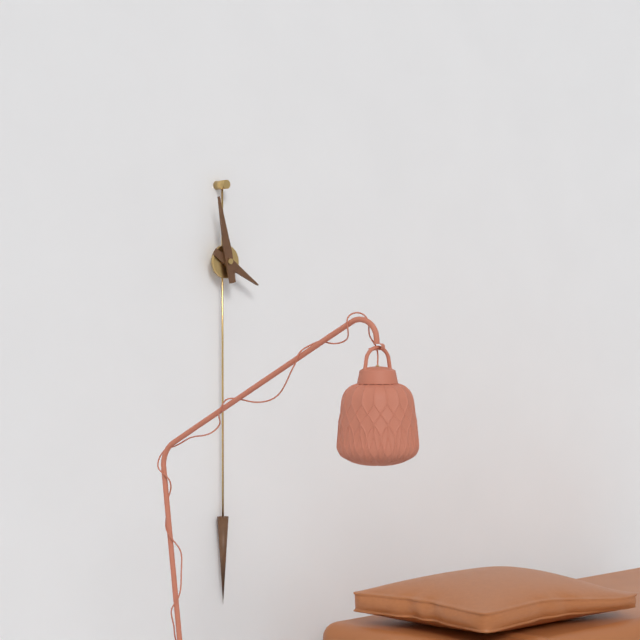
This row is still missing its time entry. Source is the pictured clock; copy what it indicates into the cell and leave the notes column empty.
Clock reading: 3:58
